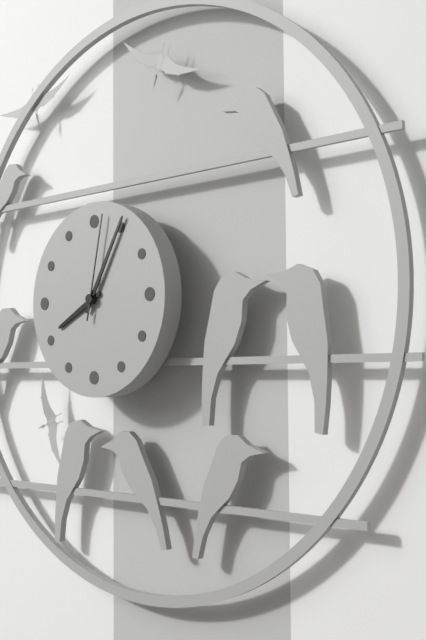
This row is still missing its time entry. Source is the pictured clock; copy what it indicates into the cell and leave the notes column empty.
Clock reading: 8:05:02
